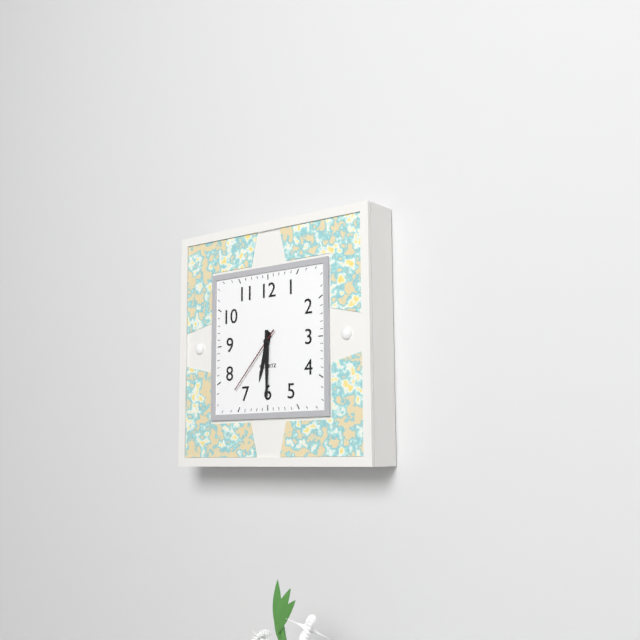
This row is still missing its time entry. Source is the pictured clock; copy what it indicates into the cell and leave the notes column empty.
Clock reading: 6:30:37
